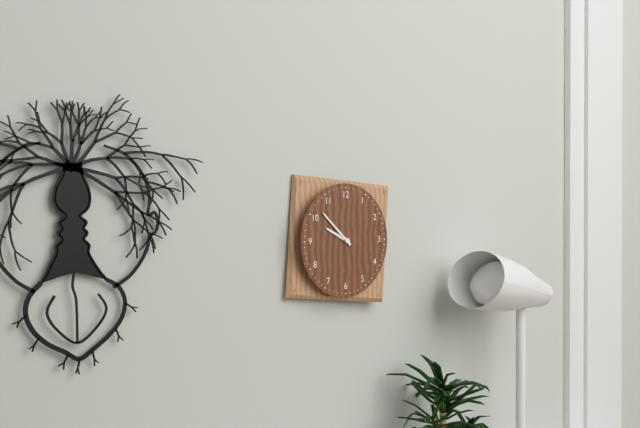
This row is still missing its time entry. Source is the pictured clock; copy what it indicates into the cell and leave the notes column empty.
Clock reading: 9:52
